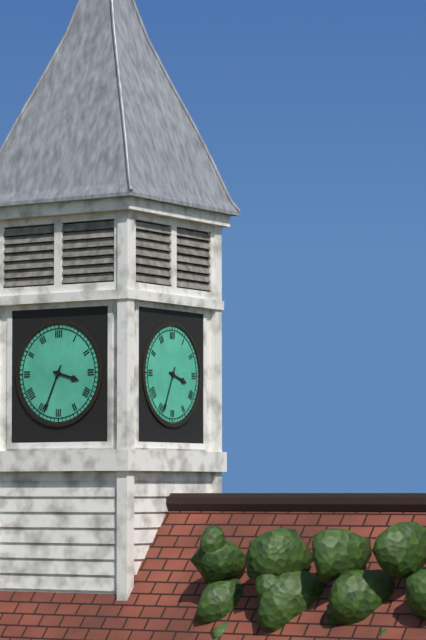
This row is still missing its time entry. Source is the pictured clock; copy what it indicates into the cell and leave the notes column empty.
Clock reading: 3:34
